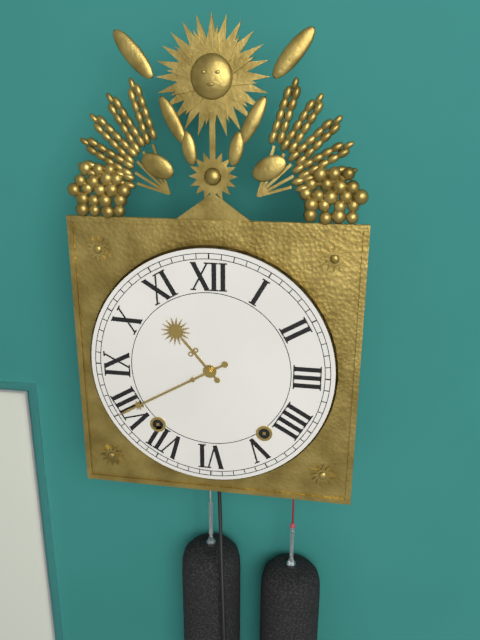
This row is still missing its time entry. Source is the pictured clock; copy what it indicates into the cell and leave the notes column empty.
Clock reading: 10:40
